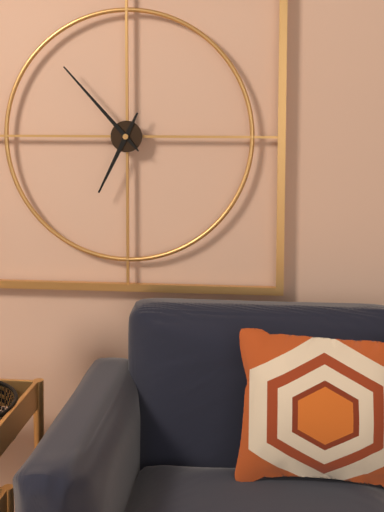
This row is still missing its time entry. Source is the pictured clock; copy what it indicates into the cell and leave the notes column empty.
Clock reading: 6:53
